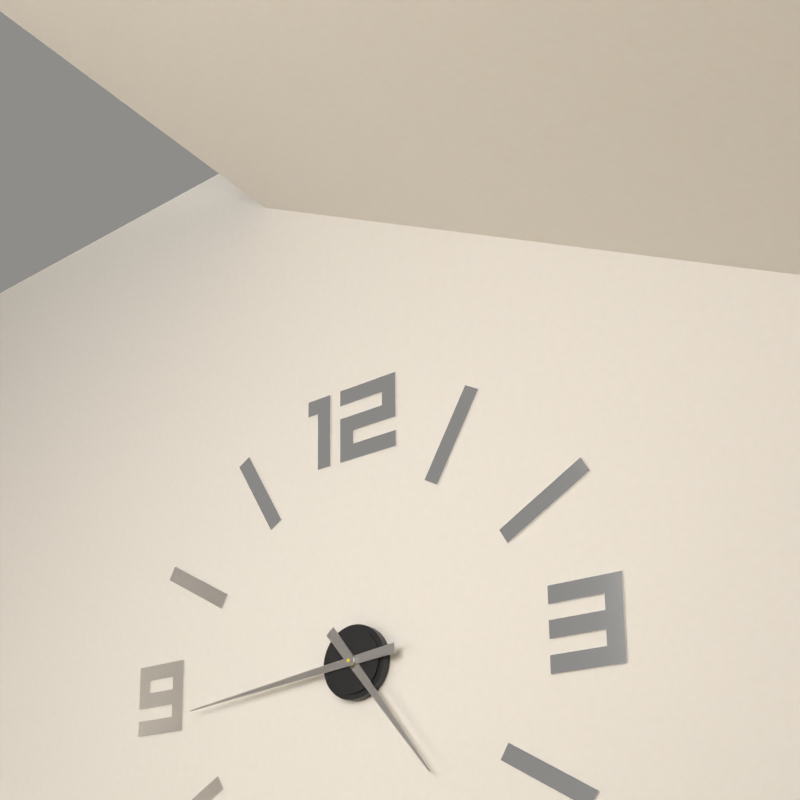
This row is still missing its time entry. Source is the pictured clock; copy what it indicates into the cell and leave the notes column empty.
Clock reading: 4:44
